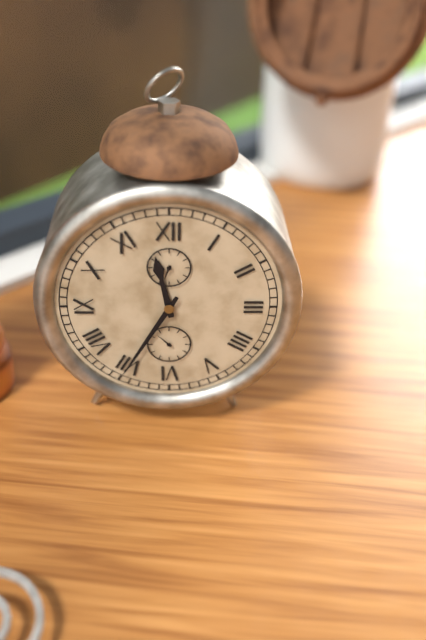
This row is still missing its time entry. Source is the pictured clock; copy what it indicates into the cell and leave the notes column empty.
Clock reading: 11:35
